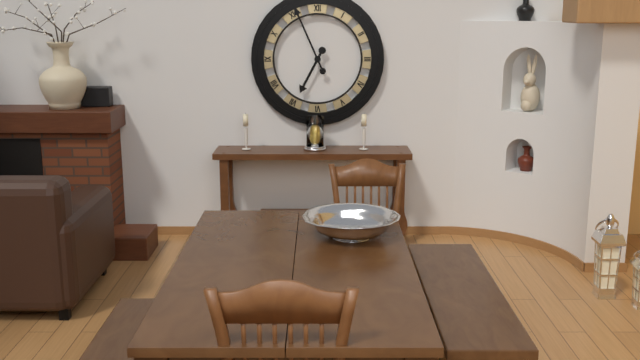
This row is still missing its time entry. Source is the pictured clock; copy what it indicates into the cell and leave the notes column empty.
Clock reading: 6:56
